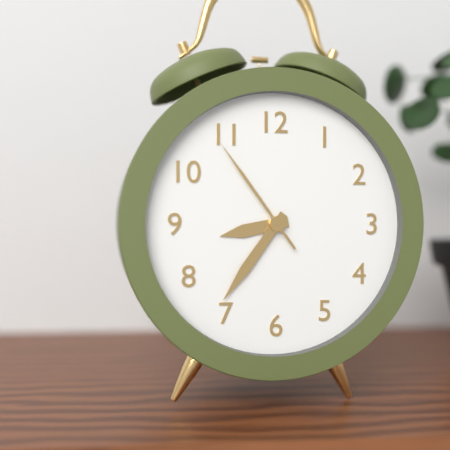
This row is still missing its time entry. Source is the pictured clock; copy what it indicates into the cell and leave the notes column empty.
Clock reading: 8:36:54
